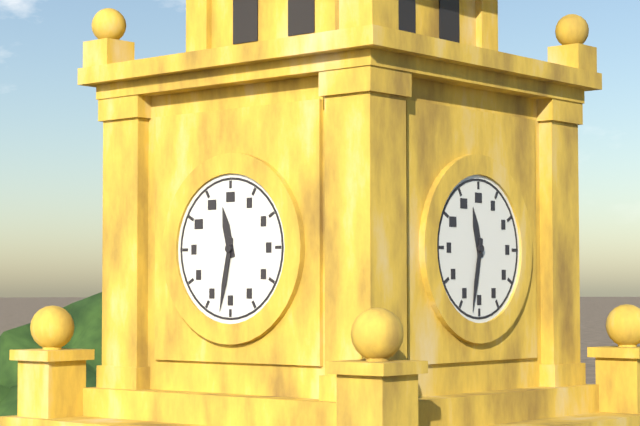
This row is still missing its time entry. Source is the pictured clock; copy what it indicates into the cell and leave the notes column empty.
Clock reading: 11:32
